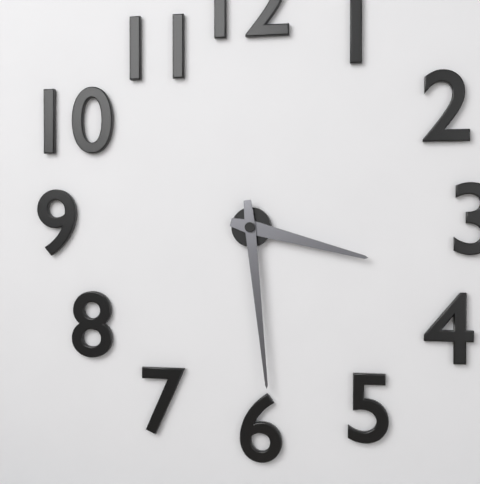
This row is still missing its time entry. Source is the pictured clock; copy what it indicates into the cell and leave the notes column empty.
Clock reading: 3:29
